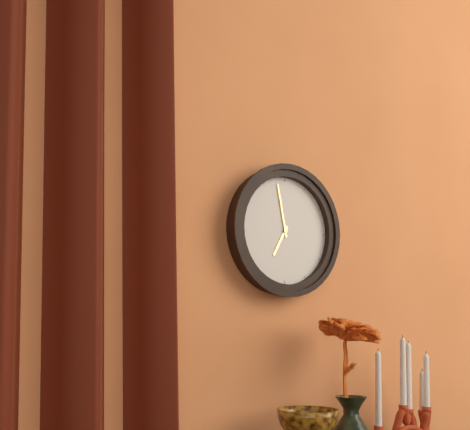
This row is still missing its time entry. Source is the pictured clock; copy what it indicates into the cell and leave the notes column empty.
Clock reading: 6:58
